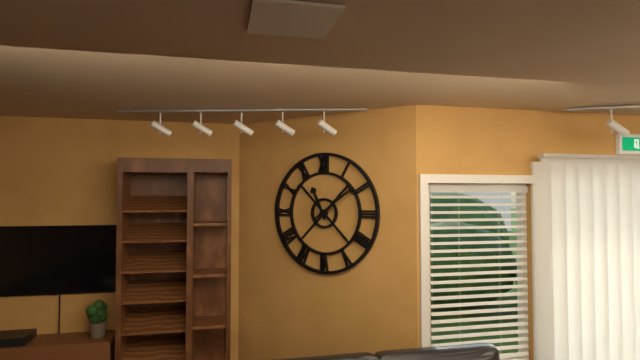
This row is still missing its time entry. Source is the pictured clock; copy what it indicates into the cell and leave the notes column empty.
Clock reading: 11:09
